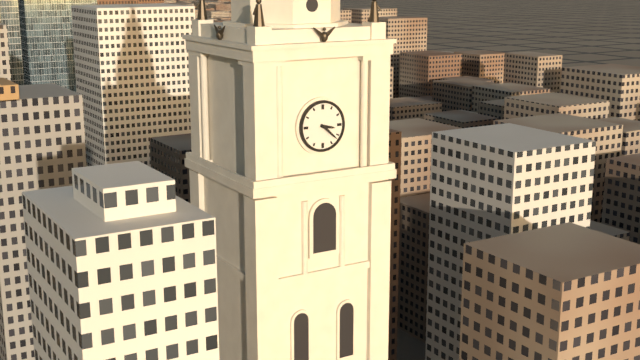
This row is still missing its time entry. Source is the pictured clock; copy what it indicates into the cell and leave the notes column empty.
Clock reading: 3:22
